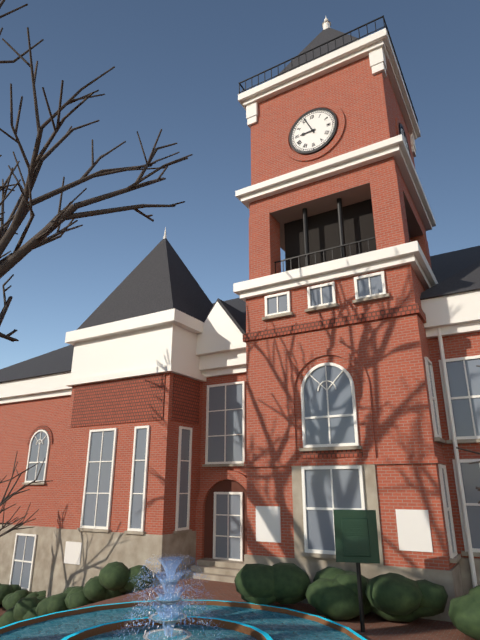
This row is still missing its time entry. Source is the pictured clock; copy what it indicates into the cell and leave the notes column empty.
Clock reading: 8:56
